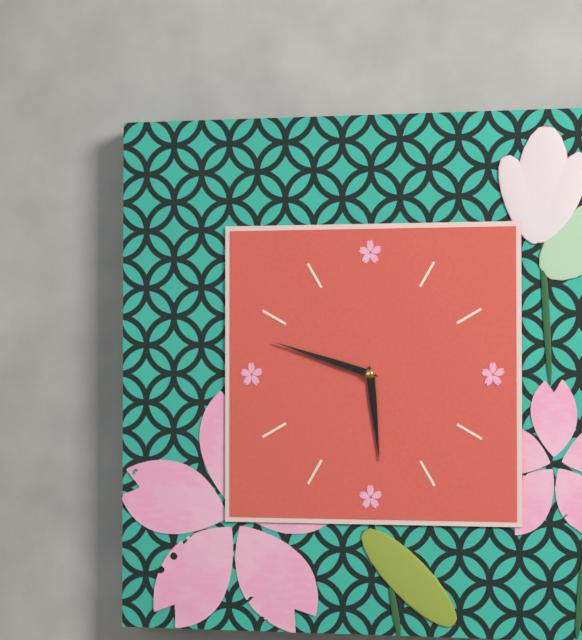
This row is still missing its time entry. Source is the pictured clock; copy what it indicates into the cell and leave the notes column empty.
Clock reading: 5:48
